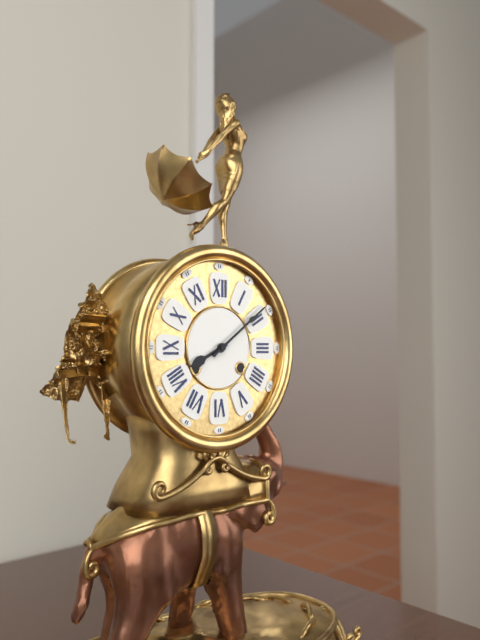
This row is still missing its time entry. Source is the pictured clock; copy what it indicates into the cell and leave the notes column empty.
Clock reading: 8:09
